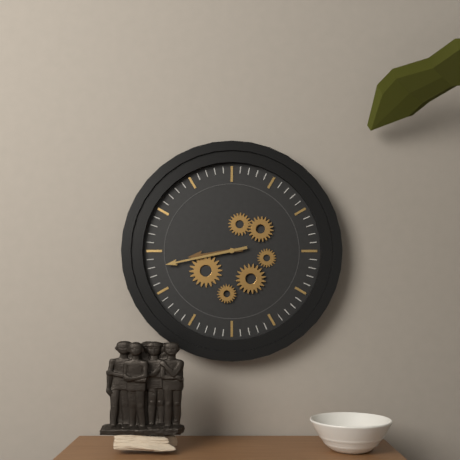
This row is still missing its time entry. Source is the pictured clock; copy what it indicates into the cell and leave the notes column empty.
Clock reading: 8:43
